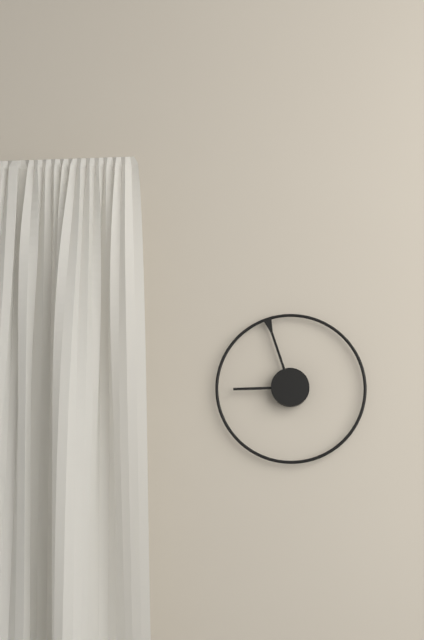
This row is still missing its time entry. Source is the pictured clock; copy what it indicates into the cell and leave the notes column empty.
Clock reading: 8:57
